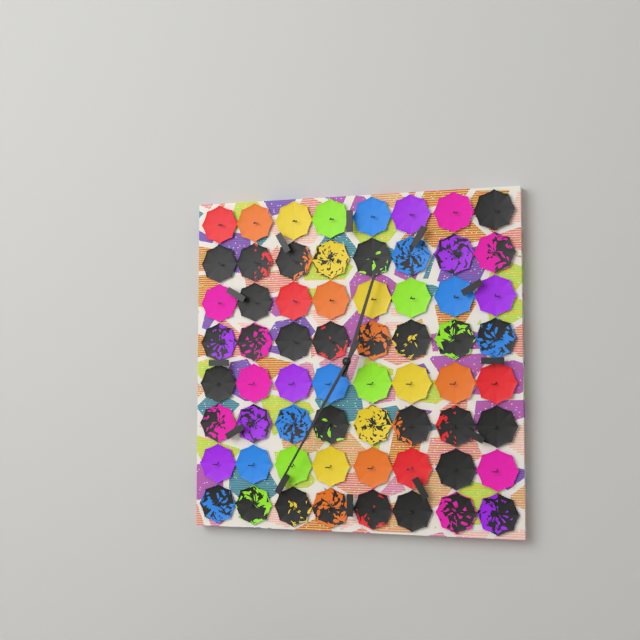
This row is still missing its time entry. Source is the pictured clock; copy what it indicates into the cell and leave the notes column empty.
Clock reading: 12:35
